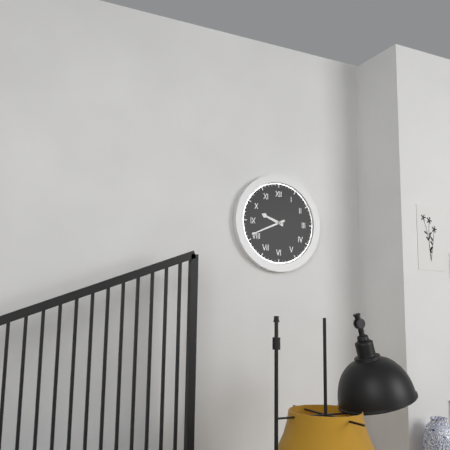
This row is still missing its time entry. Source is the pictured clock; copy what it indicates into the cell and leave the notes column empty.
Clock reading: 9:41
